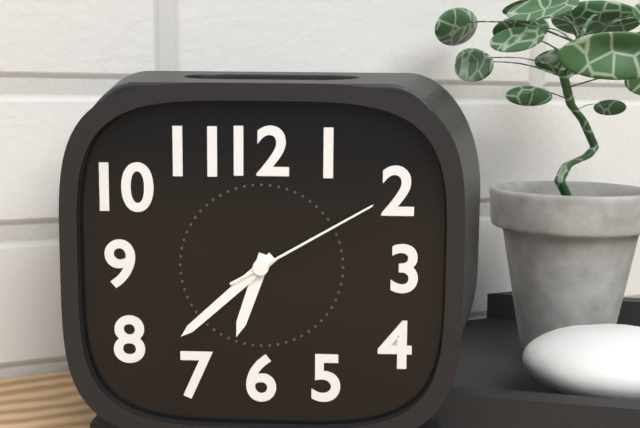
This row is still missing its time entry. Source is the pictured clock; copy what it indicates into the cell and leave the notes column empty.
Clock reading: 6:38:10
